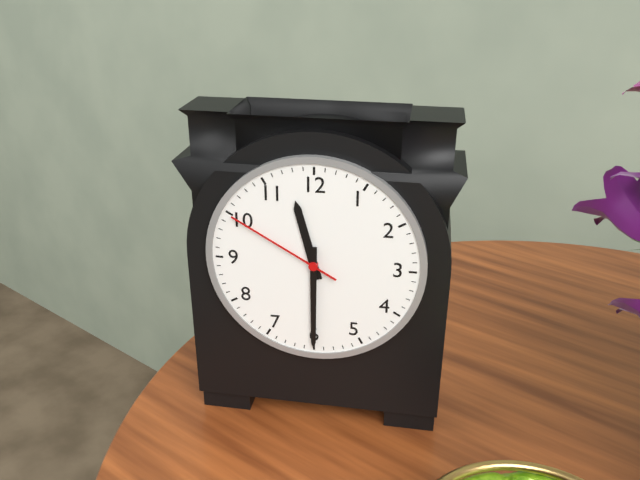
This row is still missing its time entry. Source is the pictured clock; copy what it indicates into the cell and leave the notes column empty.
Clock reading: 11:30:50
